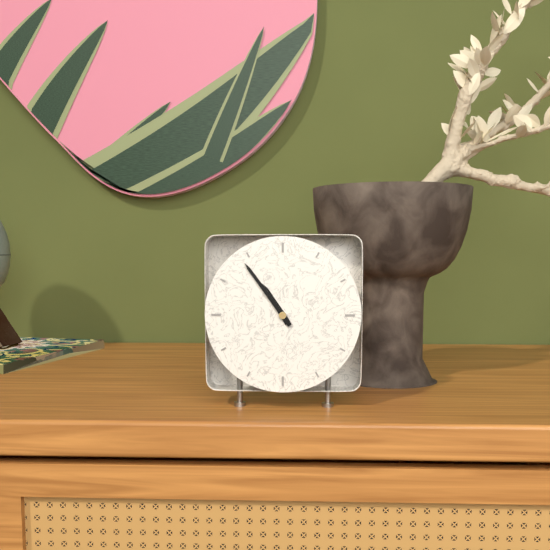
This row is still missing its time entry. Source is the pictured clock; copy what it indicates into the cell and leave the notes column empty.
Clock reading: 10:54
